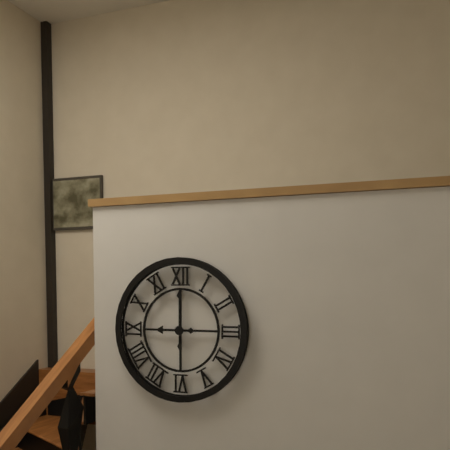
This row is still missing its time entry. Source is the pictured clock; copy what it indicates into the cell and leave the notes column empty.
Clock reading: 9:00
